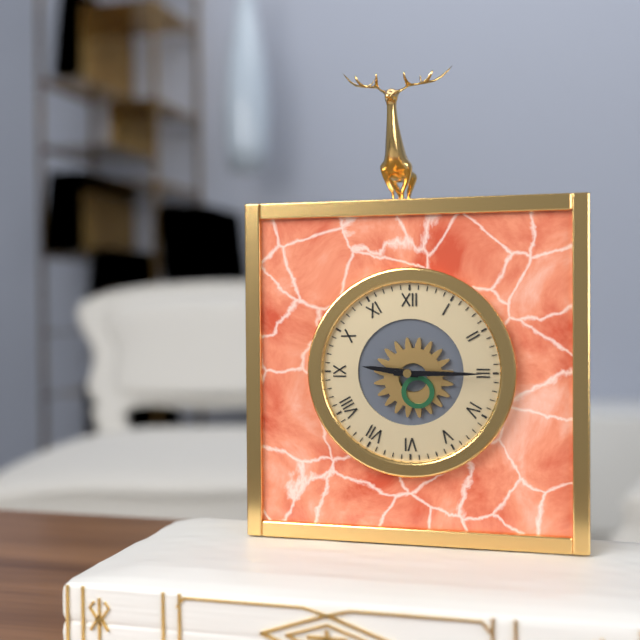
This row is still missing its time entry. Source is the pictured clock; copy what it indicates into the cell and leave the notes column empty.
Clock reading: 9:15
